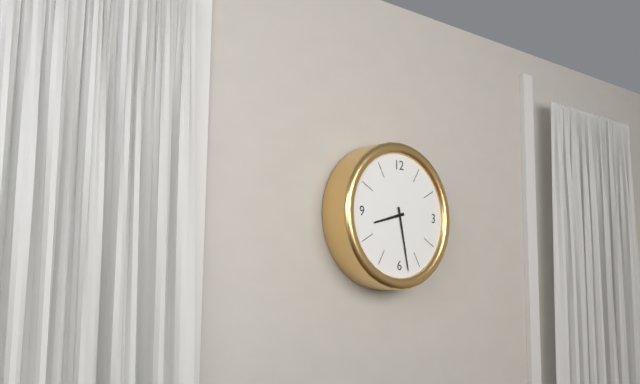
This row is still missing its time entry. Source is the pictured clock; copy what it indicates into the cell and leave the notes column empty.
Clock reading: 8:28
